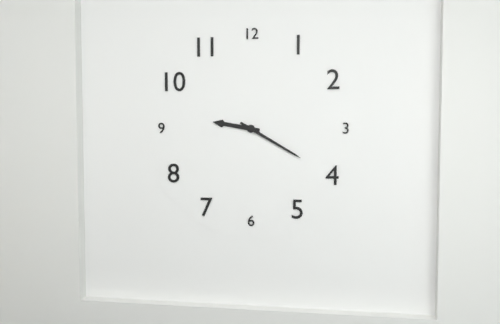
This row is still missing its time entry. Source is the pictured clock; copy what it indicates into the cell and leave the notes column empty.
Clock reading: 9:20
